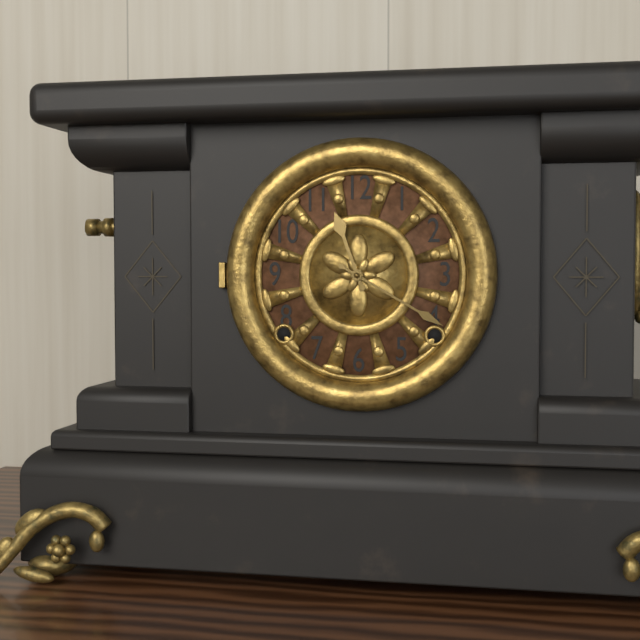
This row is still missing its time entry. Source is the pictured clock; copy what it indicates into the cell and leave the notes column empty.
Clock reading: 11:20
